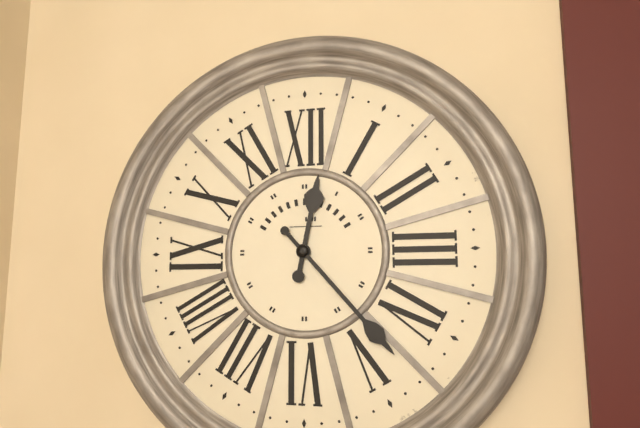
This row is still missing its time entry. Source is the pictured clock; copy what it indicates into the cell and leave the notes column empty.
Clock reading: 12:23
